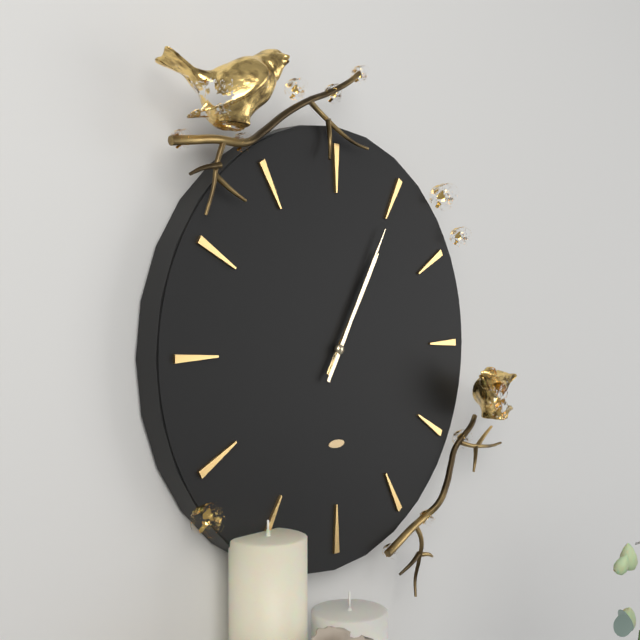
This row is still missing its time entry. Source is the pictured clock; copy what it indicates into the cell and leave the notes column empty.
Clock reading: 1:05
